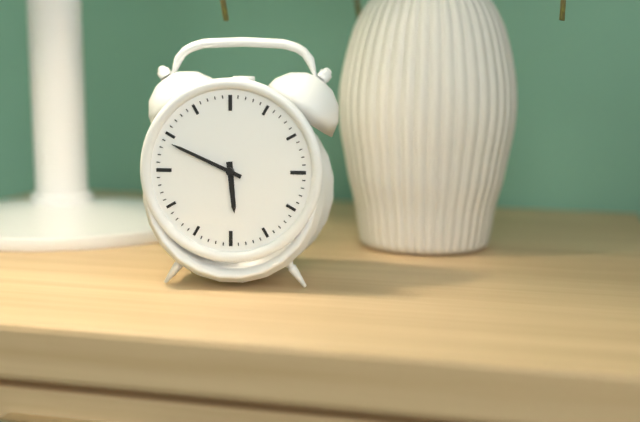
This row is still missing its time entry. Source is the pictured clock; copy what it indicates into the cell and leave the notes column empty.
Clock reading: 5:49
